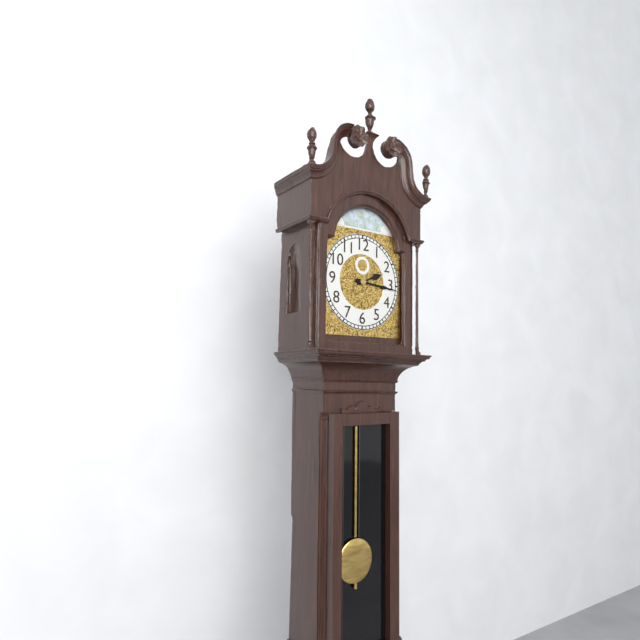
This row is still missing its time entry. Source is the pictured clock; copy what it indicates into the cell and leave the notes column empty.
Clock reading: 2:16
